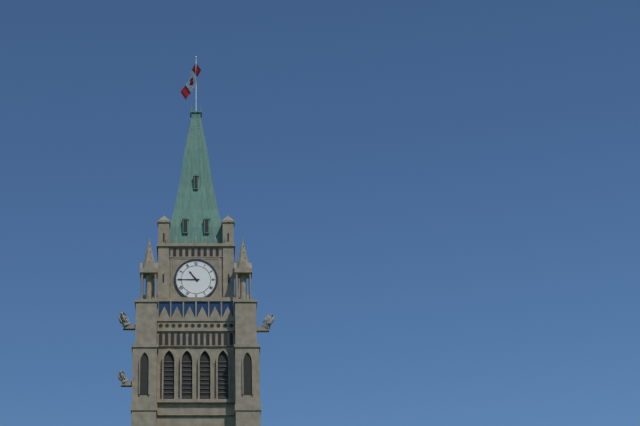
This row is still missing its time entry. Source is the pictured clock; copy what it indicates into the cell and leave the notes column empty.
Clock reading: 10:45
